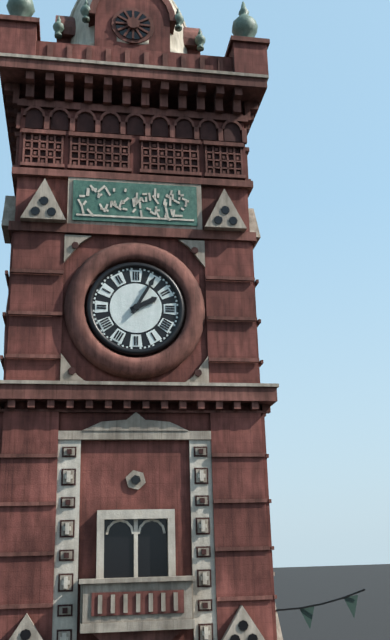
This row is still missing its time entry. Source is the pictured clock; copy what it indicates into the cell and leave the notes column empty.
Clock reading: 2:05
